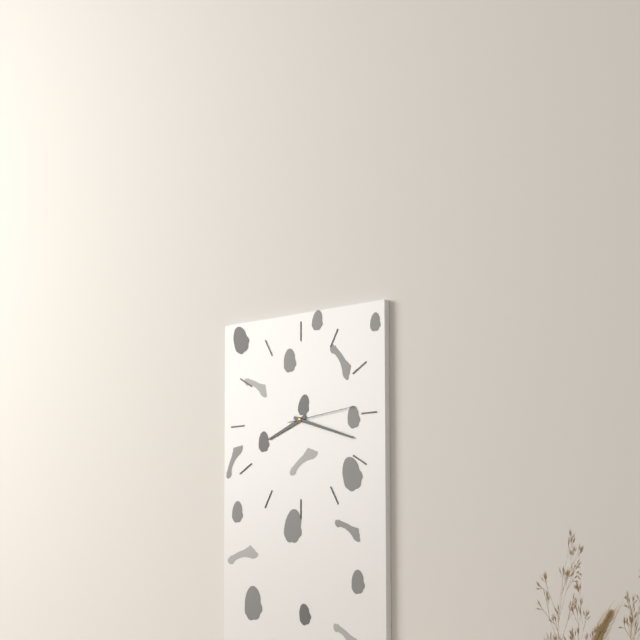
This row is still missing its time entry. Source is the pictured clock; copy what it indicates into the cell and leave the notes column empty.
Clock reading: 8:18:14
